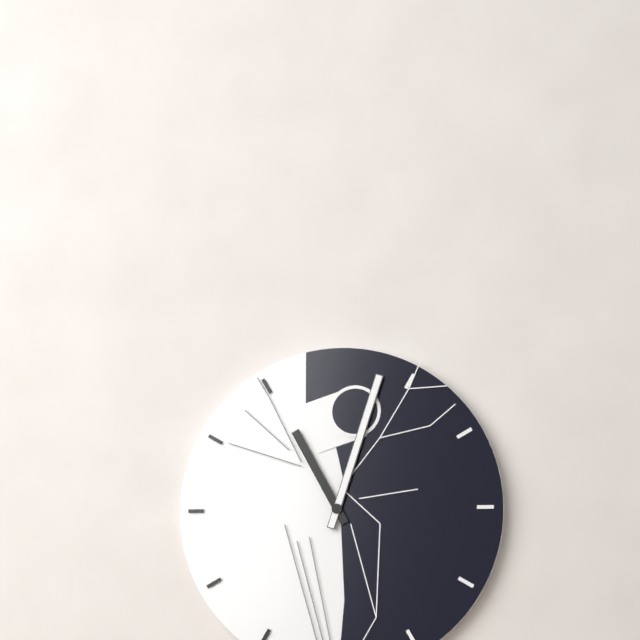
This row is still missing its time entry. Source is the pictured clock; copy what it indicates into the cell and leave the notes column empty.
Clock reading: 11:03
